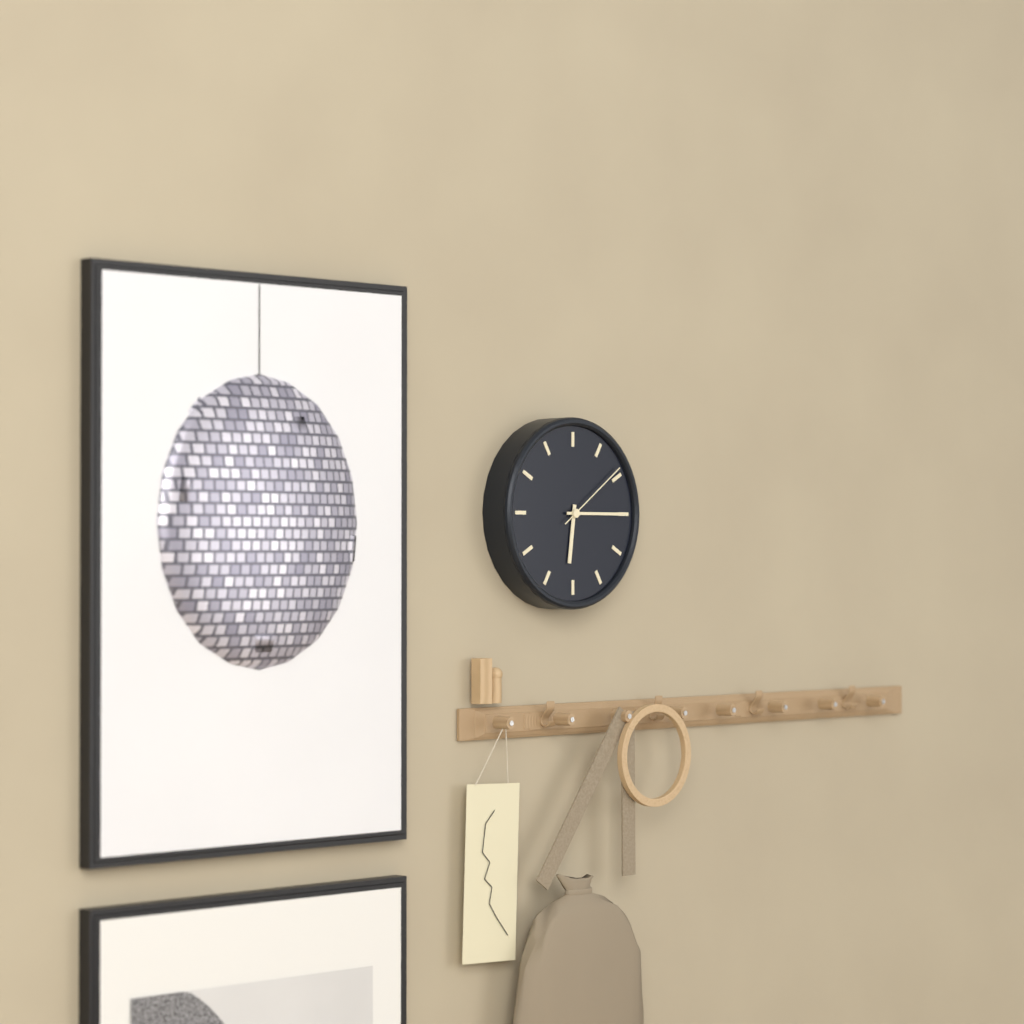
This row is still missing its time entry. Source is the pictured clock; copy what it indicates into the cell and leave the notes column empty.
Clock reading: 6:15:09
